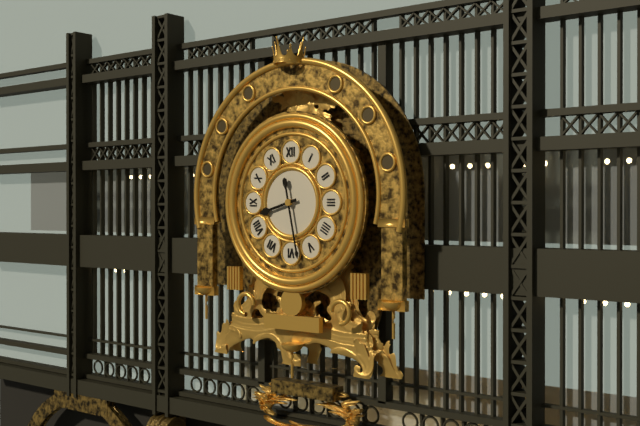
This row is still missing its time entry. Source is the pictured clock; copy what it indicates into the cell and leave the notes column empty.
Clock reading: 8:28
